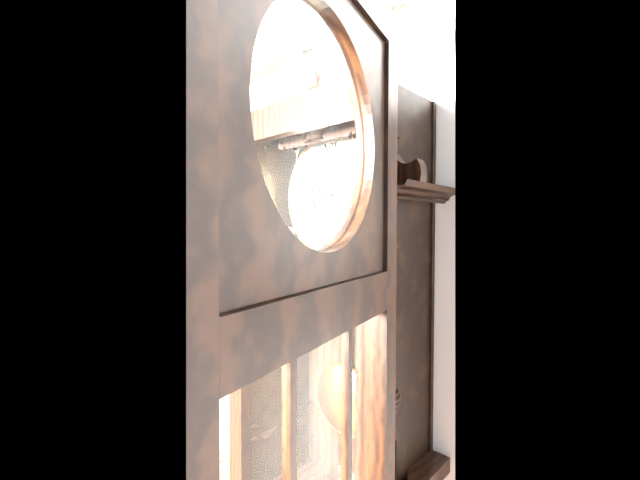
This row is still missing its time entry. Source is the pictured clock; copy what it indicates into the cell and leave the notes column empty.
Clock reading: 9:41
